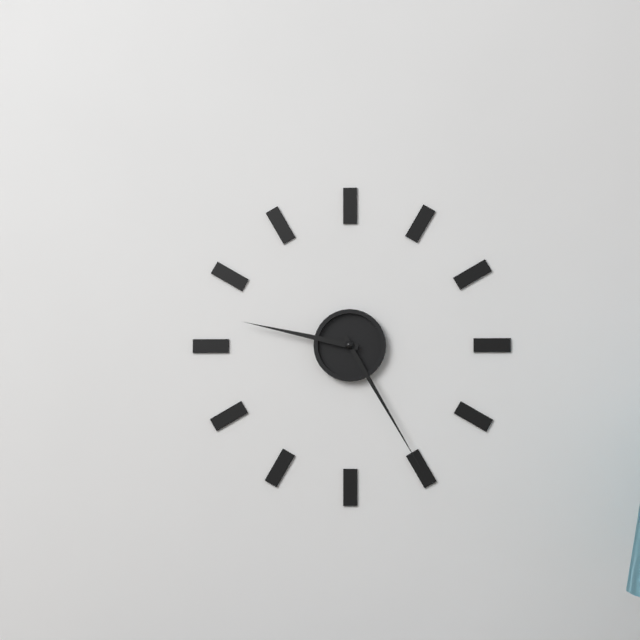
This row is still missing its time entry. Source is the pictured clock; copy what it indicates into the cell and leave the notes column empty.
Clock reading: 9:25
